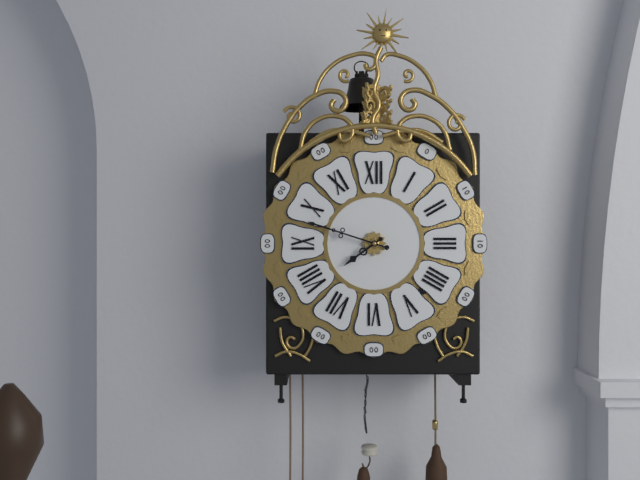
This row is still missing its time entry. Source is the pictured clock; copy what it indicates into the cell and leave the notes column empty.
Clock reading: 7:48
